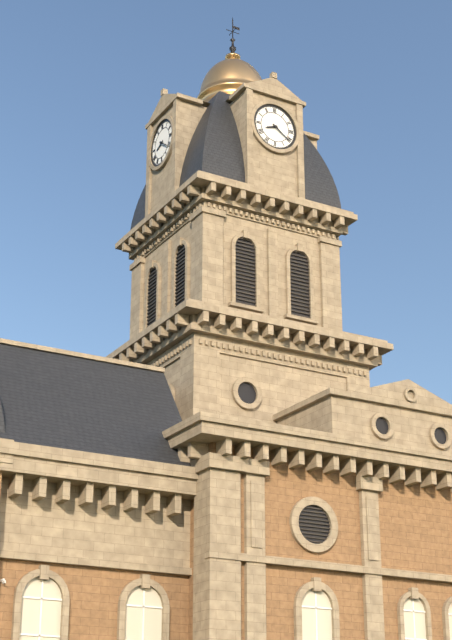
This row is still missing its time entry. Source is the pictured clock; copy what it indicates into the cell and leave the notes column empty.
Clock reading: 8:21
